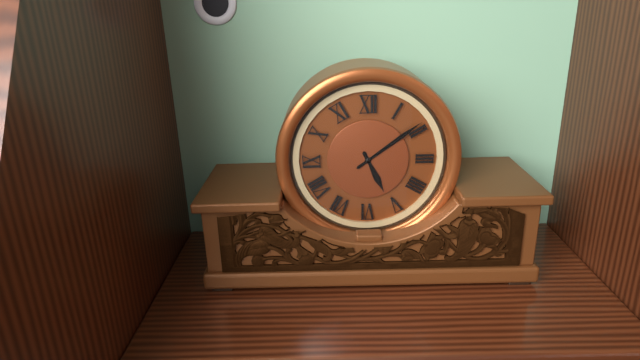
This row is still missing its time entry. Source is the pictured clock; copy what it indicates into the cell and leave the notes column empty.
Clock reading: 5:09
